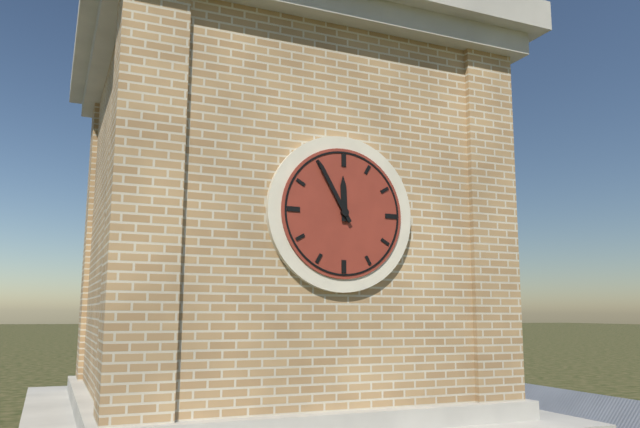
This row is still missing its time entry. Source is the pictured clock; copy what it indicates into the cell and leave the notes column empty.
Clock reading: 11:55
